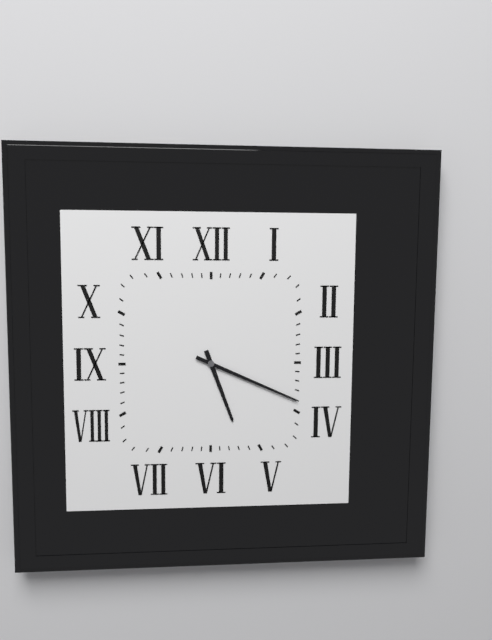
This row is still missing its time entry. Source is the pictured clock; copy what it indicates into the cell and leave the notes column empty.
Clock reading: 5:19
